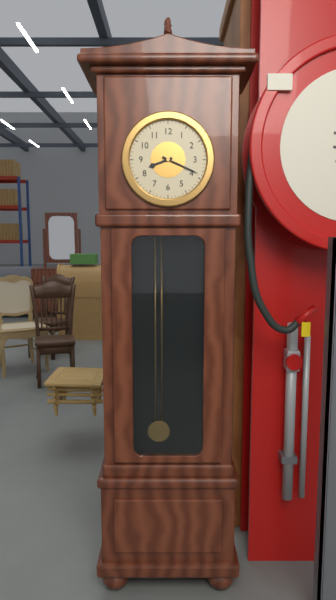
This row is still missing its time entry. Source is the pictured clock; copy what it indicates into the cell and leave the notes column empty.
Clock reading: 8:19
